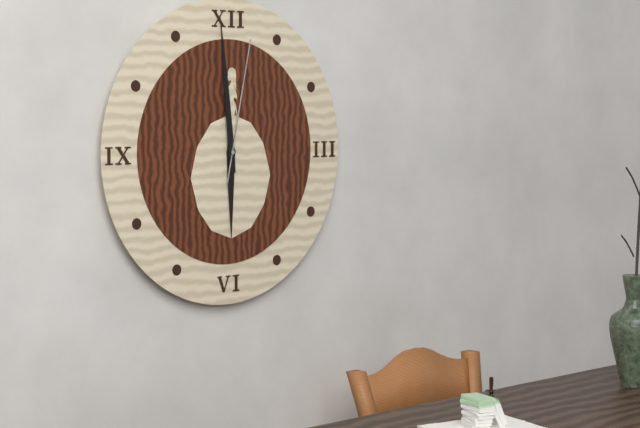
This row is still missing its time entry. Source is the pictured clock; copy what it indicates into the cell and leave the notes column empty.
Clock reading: 5:59:02
